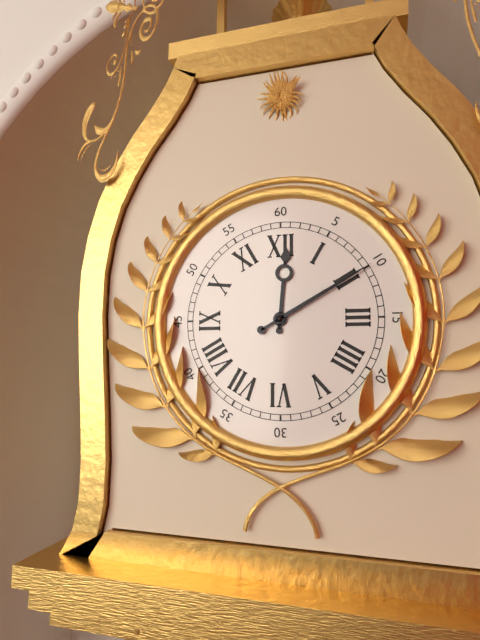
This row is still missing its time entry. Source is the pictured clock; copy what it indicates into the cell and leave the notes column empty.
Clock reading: 12:10
